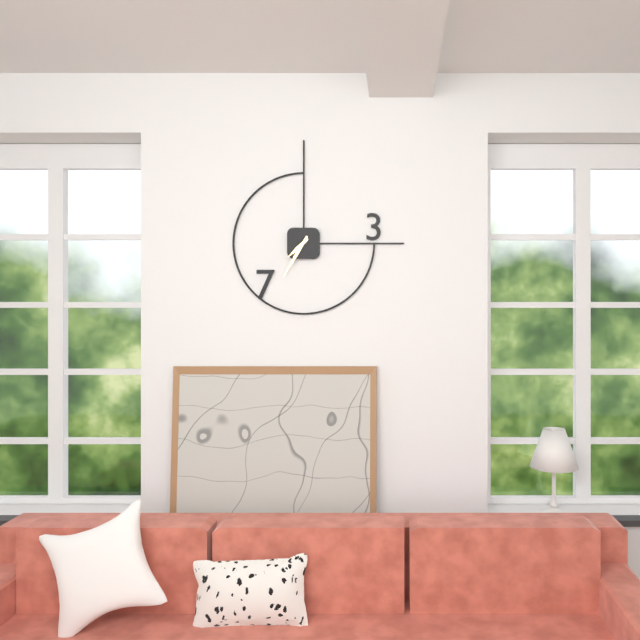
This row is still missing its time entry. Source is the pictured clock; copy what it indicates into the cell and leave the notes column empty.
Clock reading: 7:35
